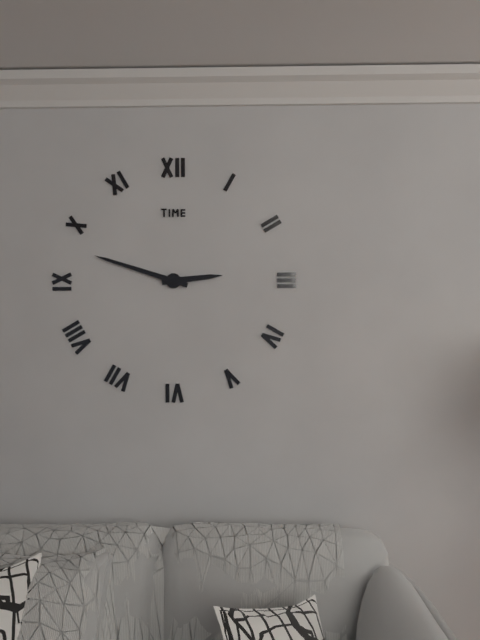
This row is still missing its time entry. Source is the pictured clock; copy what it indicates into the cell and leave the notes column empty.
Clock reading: 2:48
